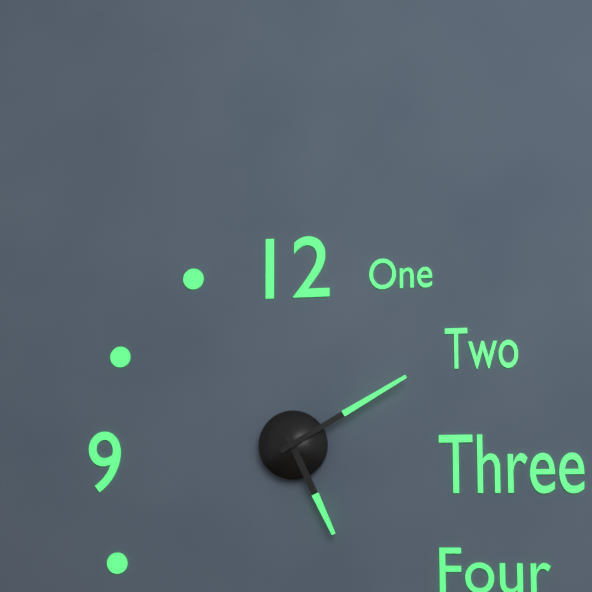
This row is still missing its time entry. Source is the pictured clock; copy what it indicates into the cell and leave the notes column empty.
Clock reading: 5:10
